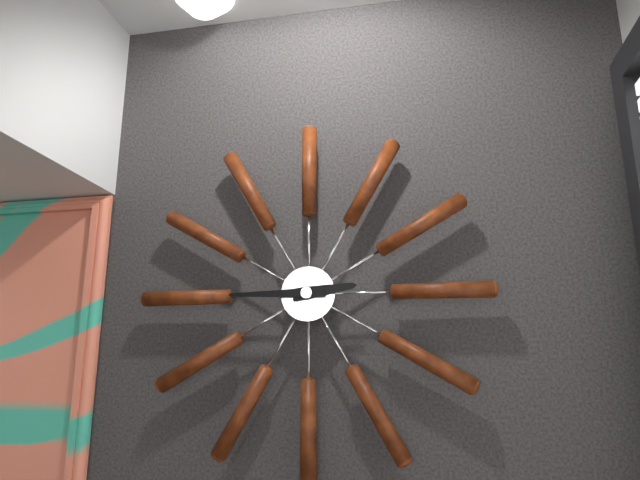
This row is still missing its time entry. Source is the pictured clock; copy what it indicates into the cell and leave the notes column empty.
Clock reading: 2:45
